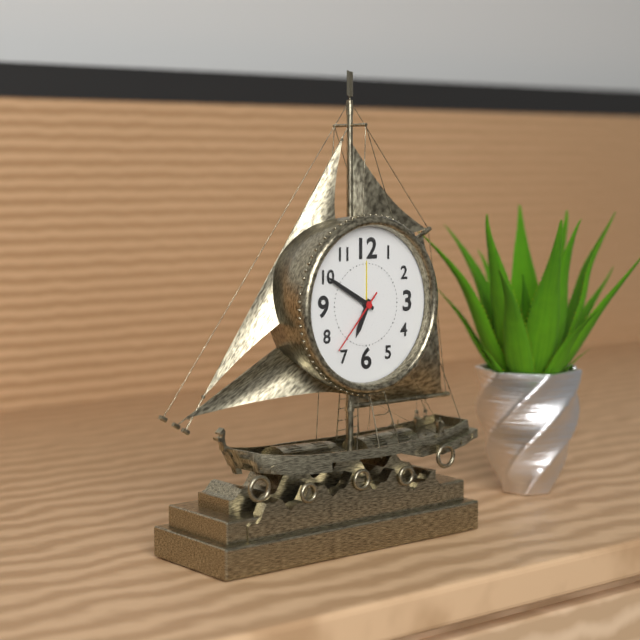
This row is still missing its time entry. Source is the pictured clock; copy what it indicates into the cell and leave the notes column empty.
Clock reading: 6:50:37
